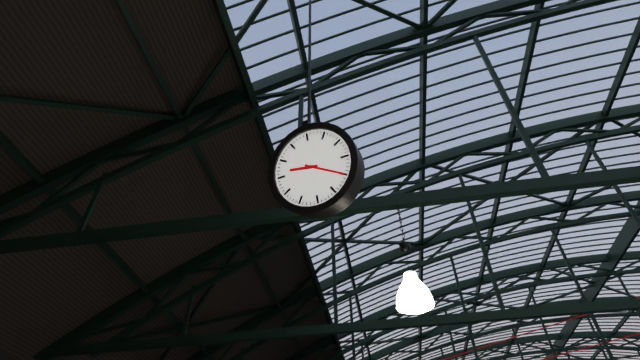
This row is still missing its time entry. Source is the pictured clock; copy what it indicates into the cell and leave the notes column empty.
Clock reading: 9:20
